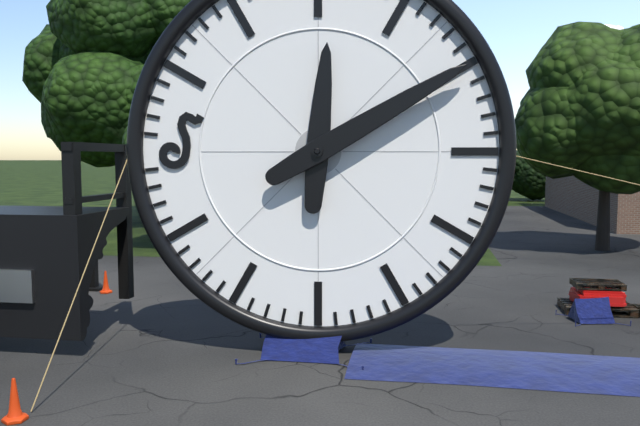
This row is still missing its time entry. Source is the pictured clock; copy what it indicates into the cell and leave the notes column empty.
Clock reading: 12:10
